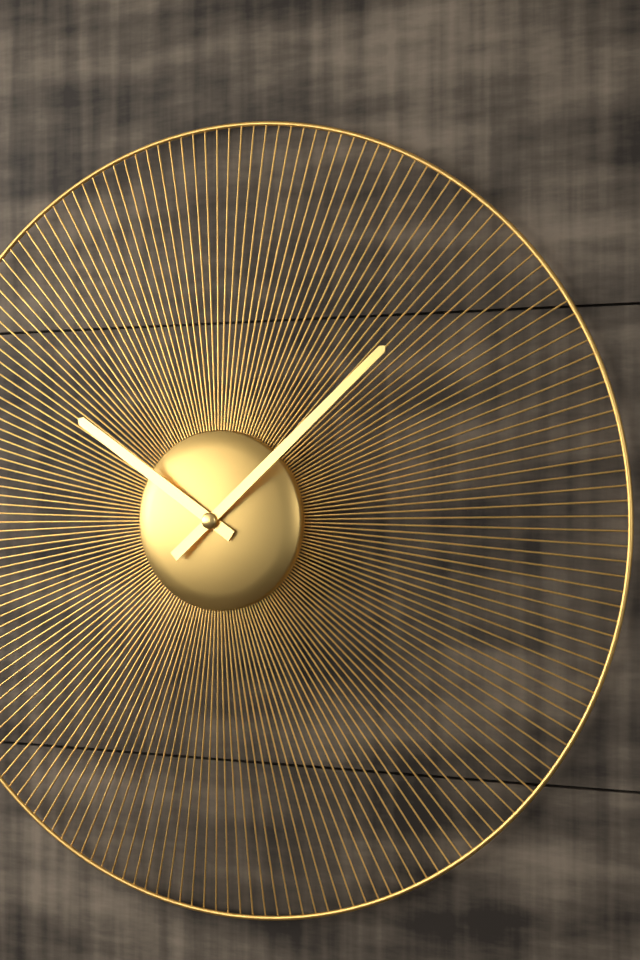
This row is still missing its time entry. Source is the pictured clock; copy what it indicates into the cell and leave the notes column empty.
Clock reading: 10:08
